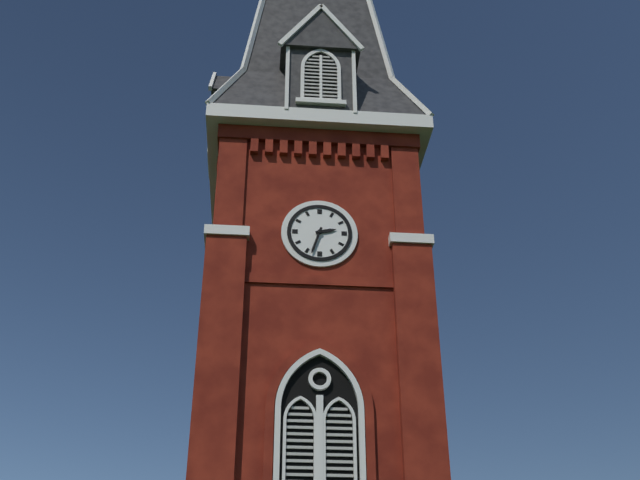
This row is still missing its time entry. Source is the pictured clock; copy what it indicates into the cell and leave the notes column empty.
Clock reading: 2:33
